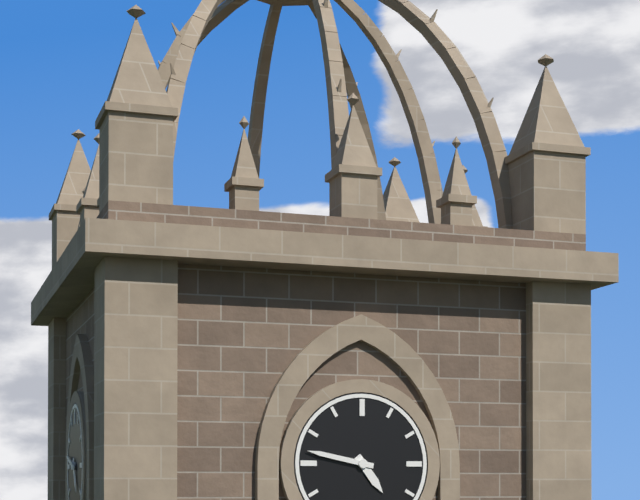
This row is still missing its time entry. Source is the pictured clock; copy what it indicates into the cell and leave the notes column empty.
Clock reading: 4:47
